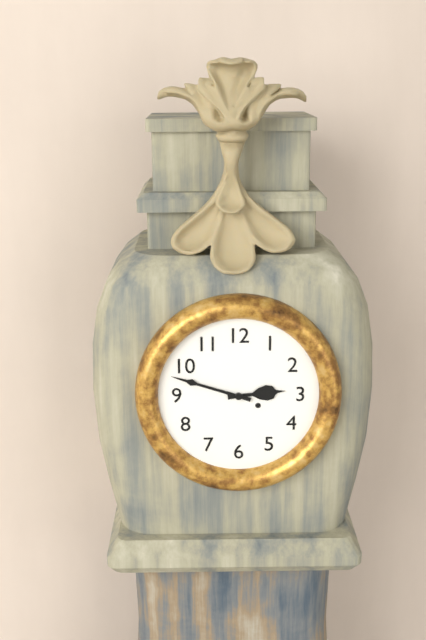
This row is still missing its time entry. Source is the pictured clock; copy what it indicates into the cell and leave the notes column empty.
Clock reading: 2:48
